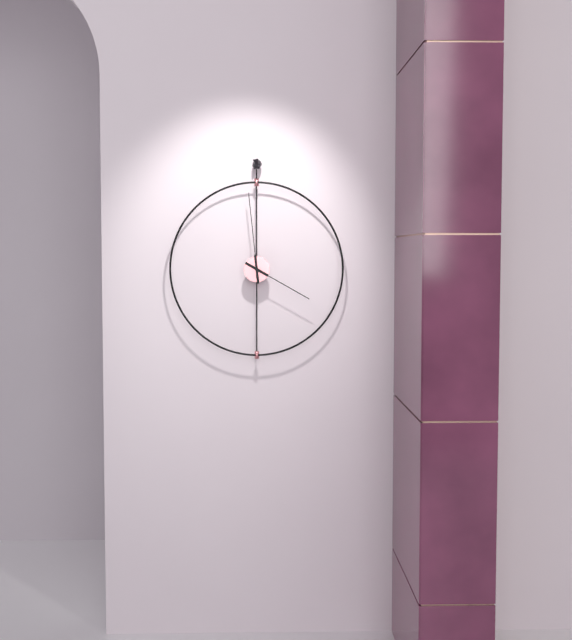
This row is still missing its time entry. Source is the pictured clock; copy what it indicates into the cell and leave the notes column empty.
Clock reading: 3:59
